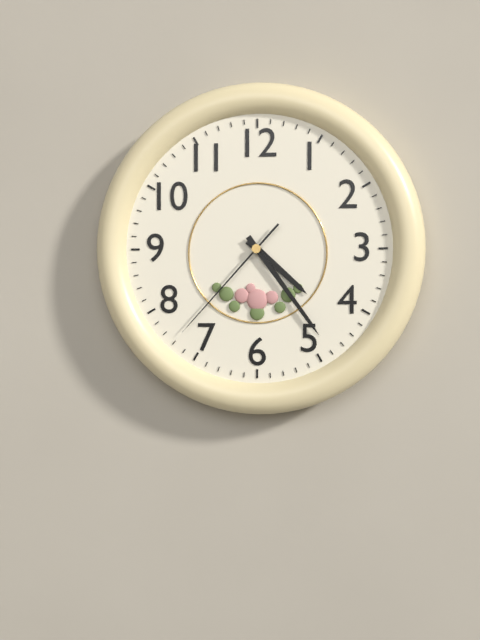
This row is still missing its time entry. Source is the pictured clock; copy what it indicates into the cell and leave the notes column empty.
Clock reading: 4:24:37
